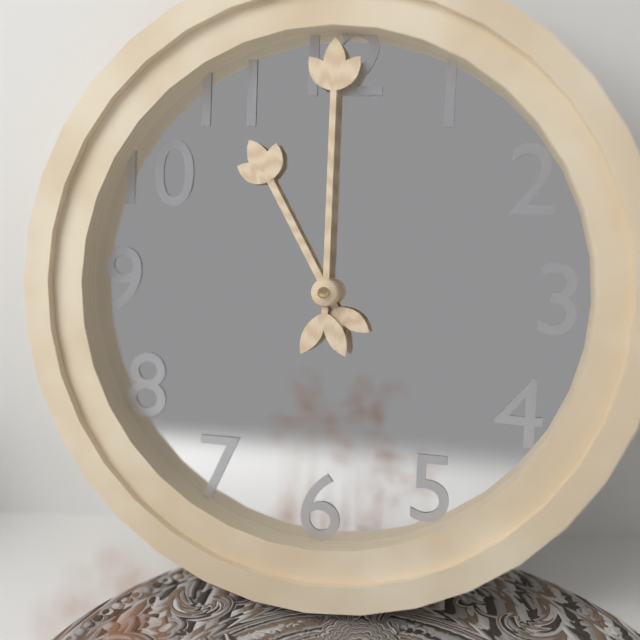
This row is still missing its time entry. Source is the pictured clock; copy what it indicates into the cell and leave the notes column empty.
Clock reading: 11:00
